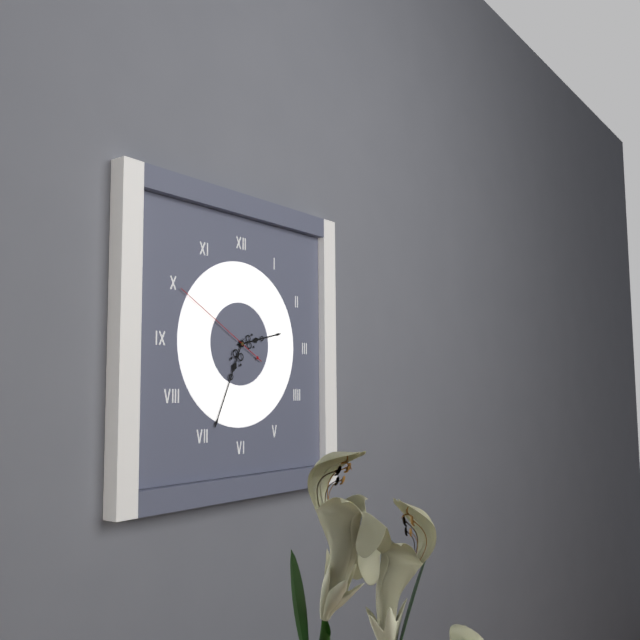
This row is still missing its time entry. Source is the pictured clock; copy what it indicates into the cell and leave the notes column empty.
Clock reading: 2:34:50
